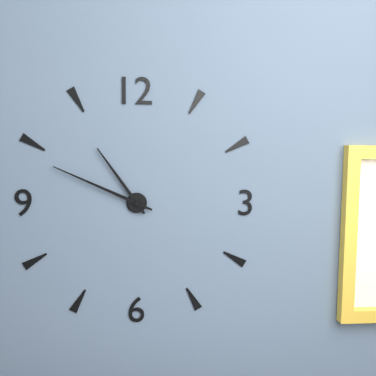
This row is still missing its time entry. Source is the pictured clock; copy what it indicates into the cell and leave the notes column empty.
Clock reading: 10:49
